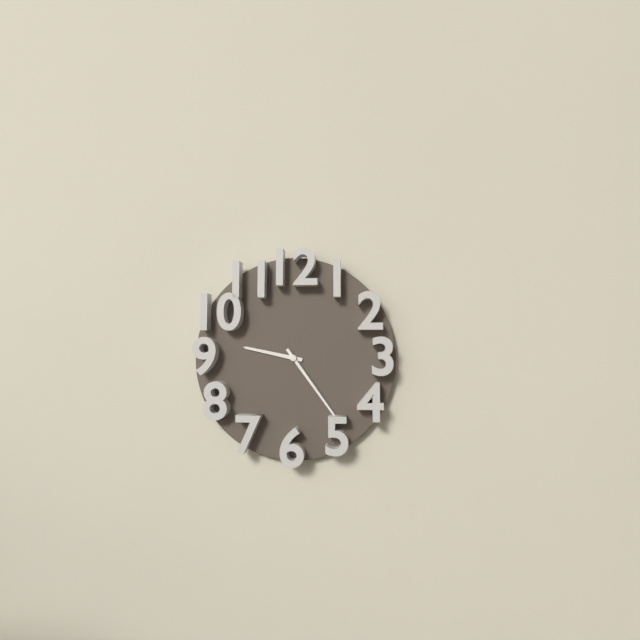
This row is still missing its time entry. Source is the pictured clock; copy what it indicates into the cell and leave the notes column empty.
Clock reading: 9:24
